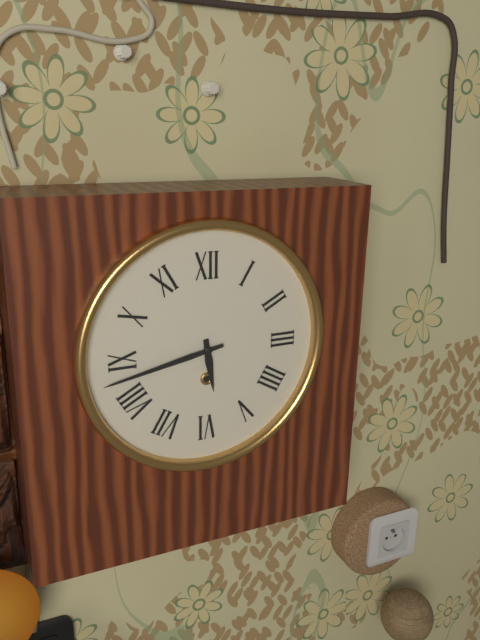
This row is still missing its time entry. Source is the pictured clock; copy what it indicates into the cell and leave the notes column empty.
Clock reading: 5:43
